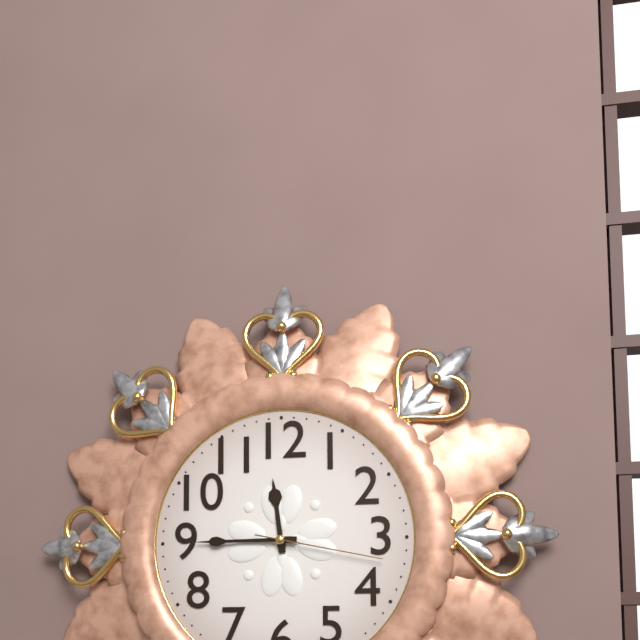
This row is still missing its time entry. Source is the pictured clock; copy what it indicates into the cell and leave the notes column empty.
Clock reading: 11:45:17
